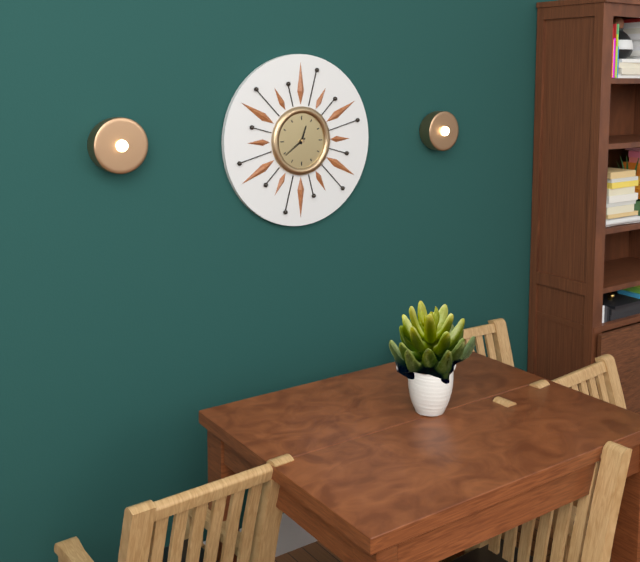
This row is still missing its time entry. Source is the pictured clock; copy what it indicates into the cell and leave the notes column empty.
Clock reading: 12:39
